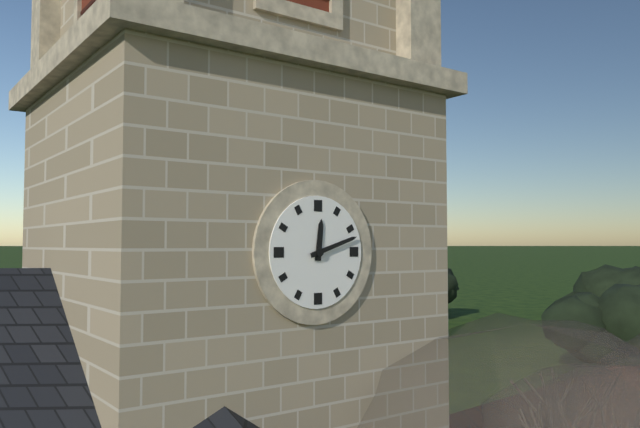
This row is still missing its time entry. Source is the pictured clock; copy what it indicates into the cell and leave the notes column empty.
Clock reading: 12:12
